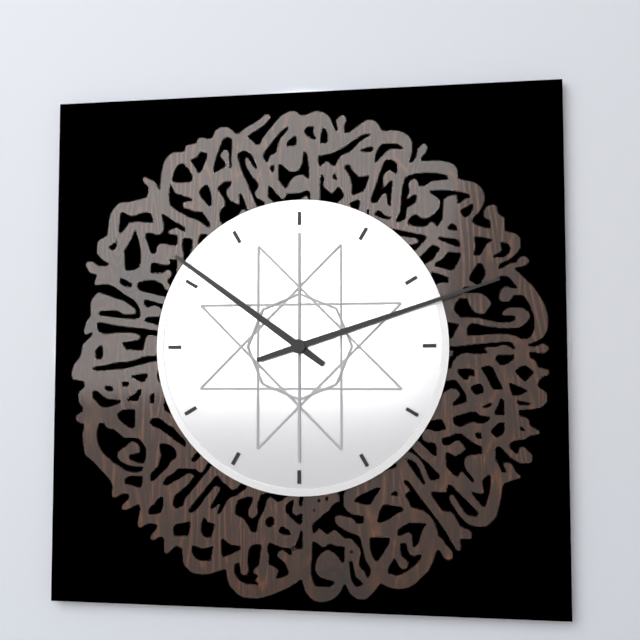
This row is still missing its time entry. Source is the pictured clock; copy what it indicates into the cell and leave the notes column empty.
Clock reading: 10:12
